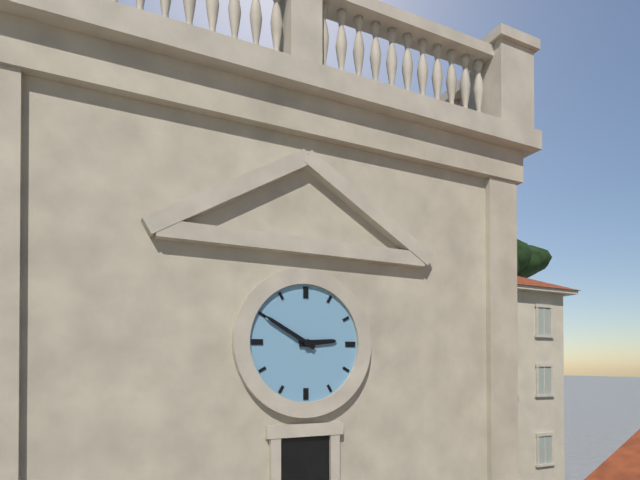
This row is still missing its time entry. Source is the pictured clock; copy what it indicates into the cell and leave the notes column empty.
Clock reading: 2:50
